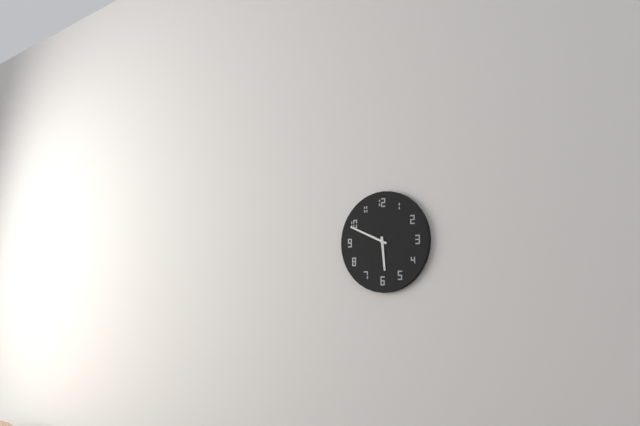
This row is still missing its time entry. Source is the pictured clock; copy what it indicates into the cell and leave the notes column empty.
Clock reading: 5:49
